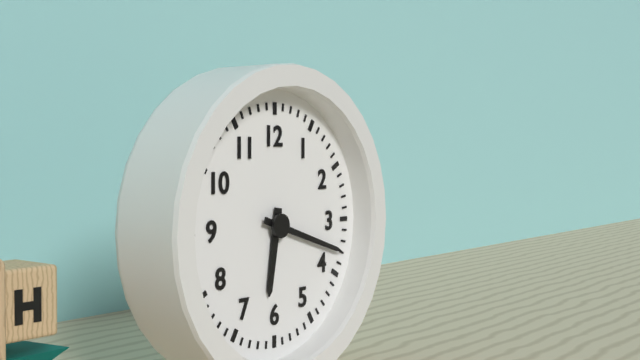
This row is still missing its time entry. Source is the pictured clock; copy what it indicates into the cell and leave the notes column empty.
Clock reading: 6:18
